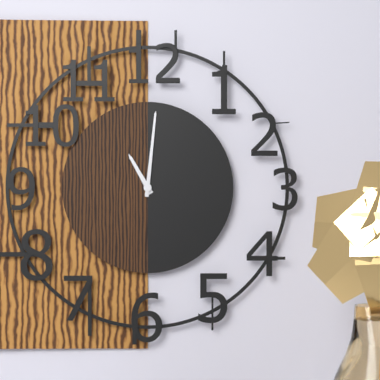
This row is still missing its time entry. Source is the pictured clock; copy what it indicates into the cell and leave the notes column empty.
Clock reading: 11:01
